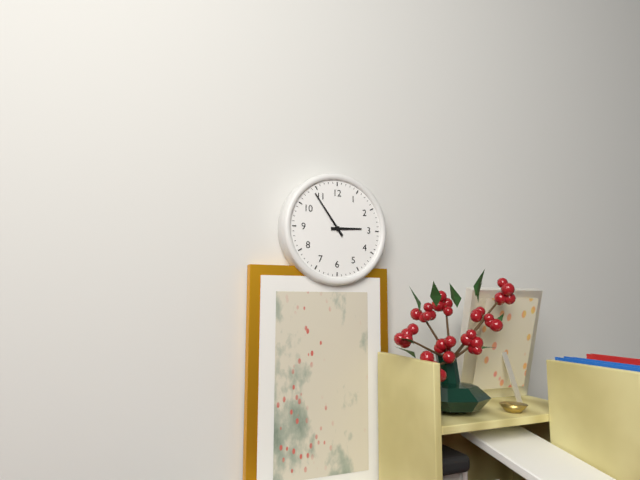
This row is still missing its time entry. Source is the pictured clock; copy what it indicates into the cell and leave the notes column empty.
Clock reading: 2:54
